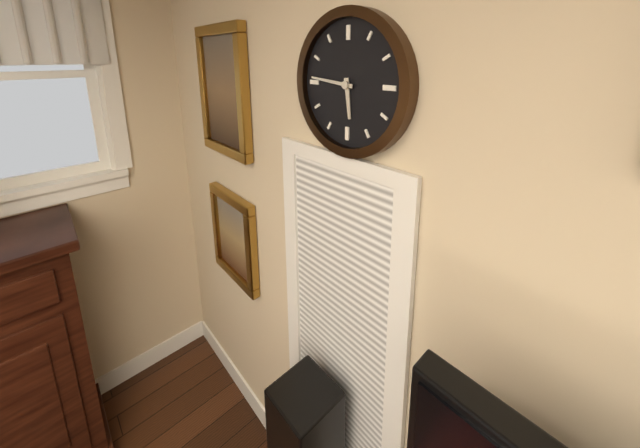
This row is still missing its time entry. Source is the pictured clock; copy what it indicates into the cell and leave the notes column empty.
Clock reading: 5:46
